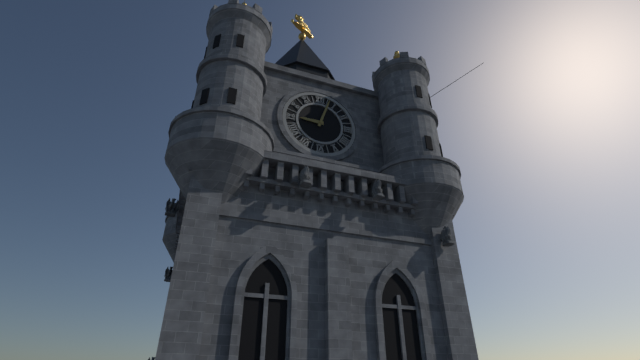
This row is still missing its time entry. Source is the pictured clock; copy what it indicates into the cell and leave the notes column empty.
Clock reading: 9:03
